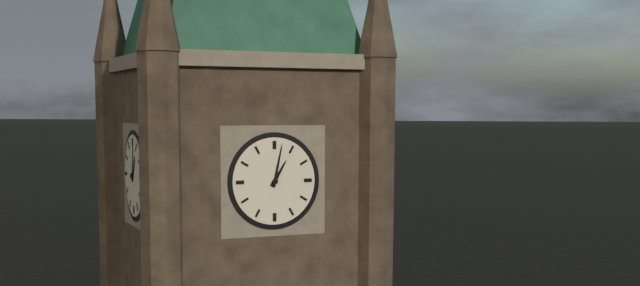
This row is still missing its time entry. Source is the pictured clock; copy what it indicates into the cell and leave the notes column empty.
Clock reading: 1:02
